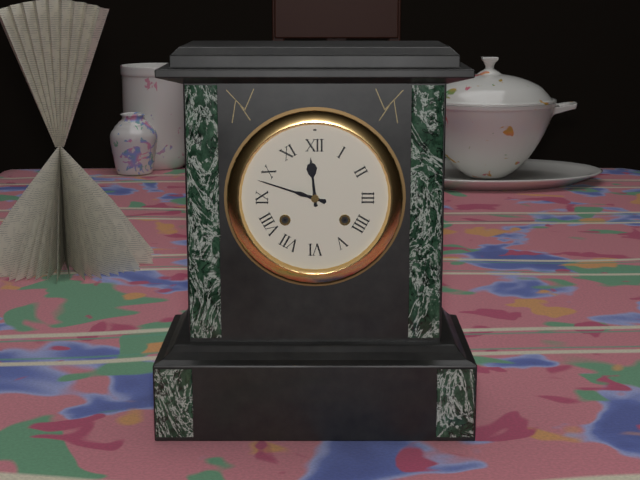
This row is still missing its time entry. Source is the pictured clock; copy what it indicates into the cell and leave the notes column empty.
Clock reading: 11:48
